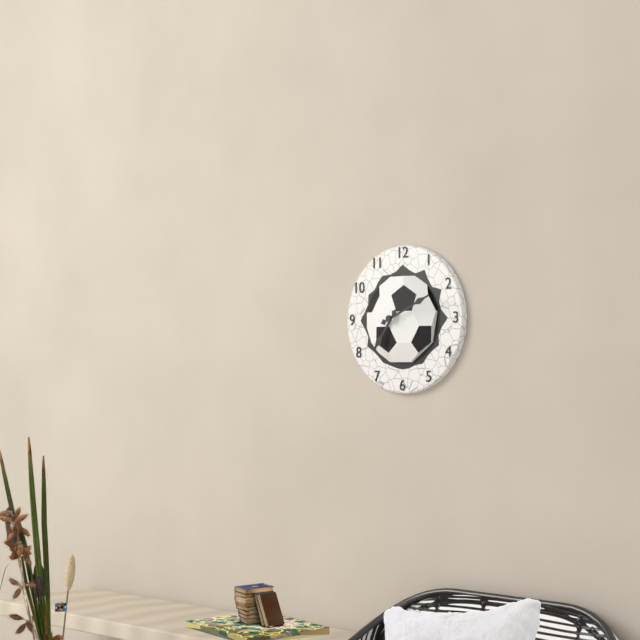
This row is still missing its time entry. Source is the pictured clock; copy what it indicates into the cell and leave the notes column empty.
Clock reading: 7:11
